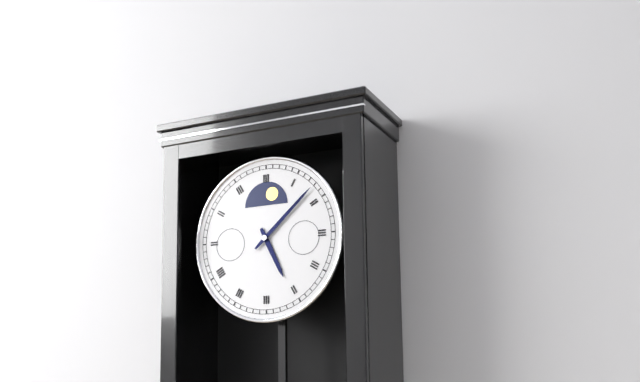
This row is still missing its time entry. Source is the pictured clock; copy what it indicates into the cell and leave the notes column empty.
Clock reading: 5:08
